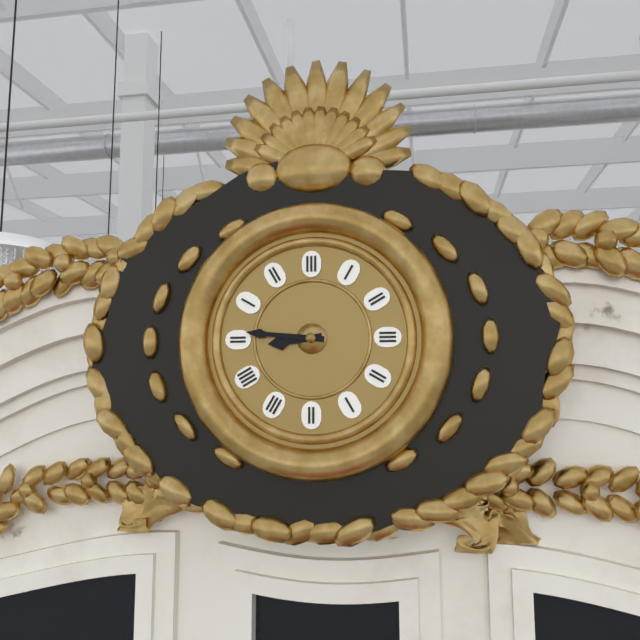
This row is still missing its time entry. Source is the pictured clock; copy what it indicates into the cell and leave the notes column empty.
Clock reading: 8:46
